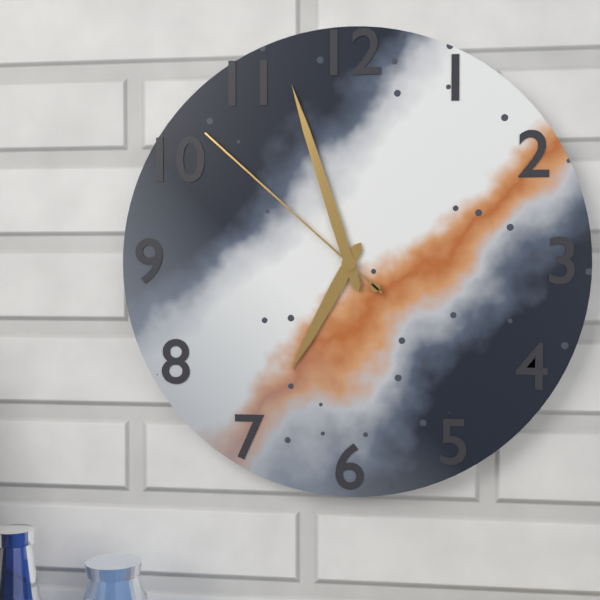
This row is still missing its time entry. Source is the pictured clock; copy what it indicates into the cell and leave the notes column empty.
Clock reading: 6:57:52
